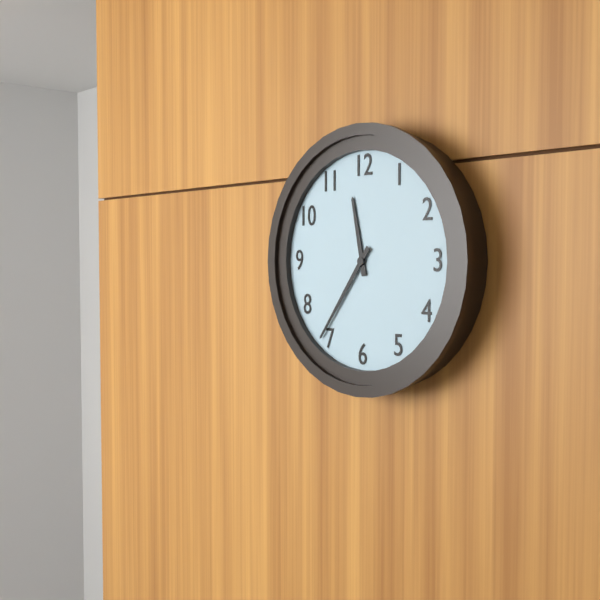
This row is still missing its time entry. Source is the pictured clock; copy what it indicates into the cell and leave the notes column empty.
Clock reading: 11:36
